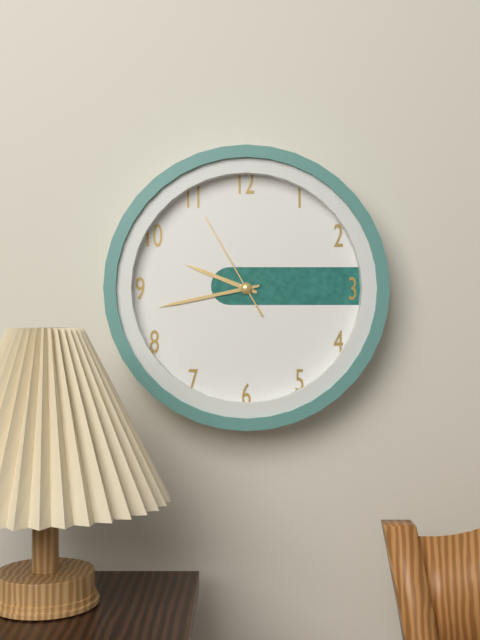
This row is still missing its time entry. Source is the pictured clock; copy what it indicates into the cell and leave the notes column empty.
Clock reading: 9:43:55
